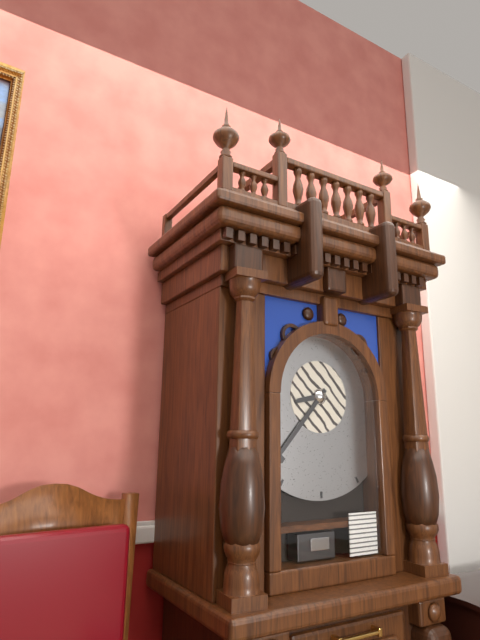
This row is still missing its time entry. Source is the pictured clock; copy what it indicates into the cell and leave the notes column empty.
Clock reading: 8:37
